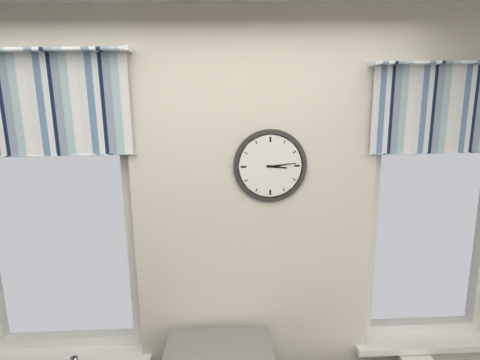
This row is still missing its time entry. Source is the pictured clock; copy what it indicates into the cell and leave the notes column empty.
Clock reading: 3:14
